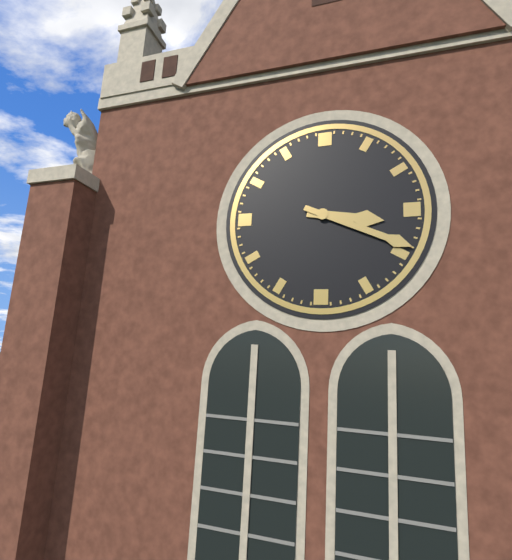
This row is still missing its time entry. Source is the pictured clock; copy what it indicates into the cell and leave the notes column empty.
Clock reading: 3:19
